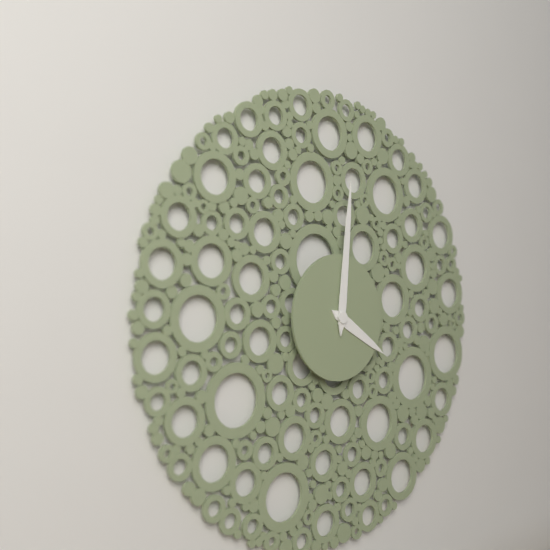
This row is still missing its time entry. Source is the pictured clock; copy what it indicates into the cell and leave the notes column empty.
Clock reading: 4:01
